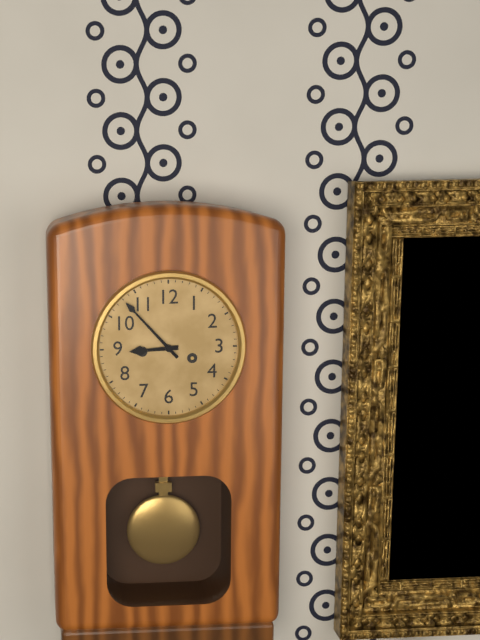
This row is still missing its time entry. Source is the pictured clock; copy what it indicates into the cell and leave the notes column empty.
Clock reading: 8:53
